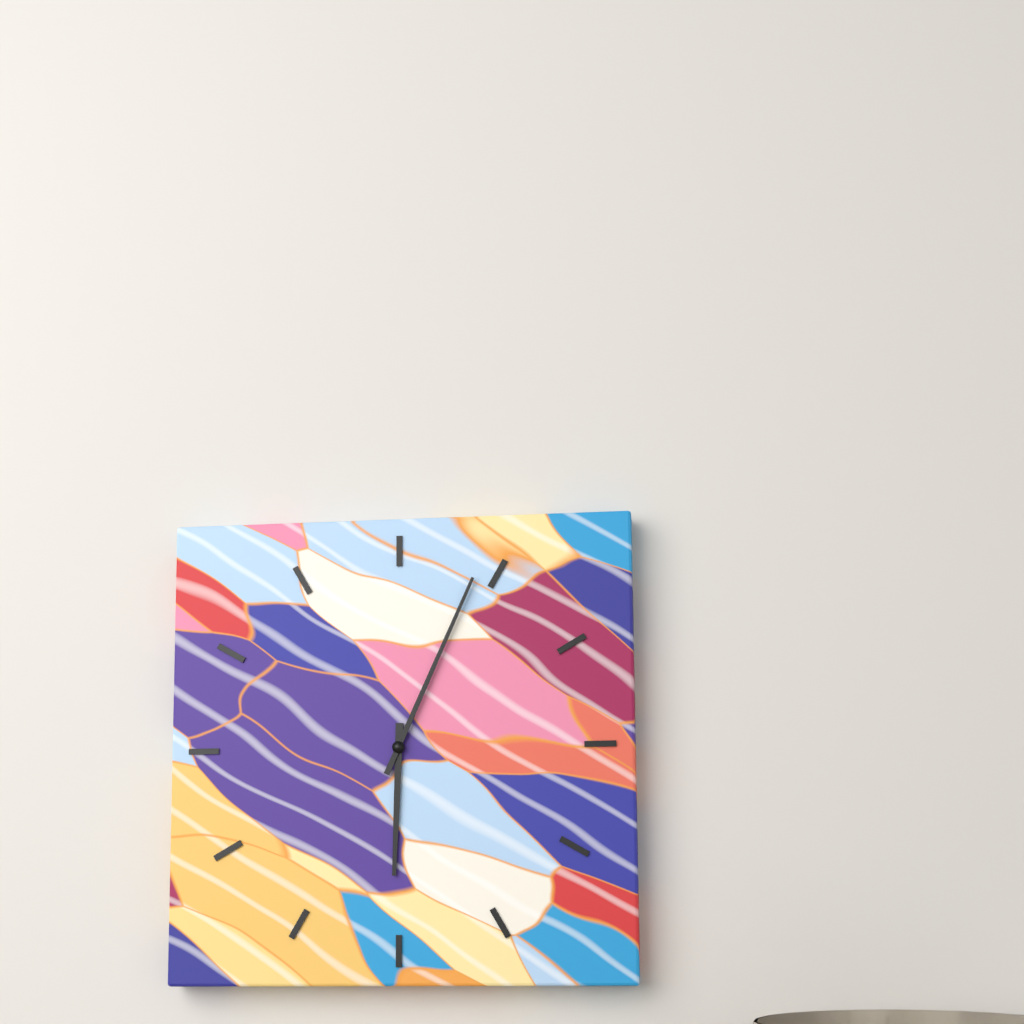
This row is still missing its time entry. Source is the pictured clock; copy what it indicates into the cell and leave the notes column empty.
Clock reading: 6:04
